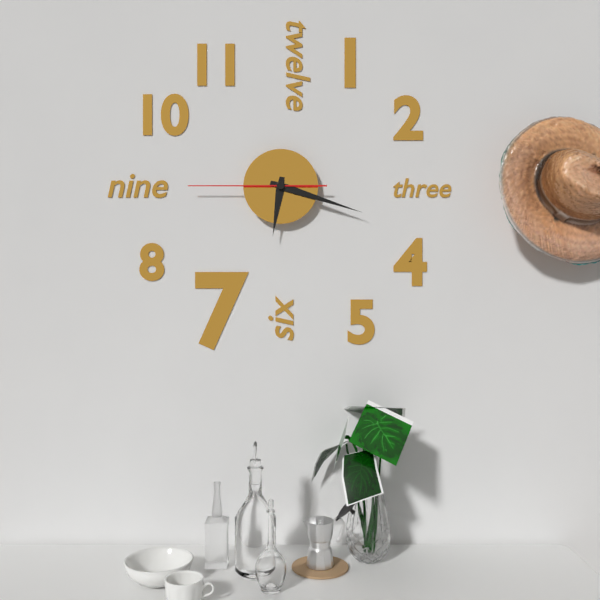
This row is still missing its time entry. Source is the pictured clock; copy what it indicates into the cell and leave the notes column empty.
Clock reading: 6:18:45
